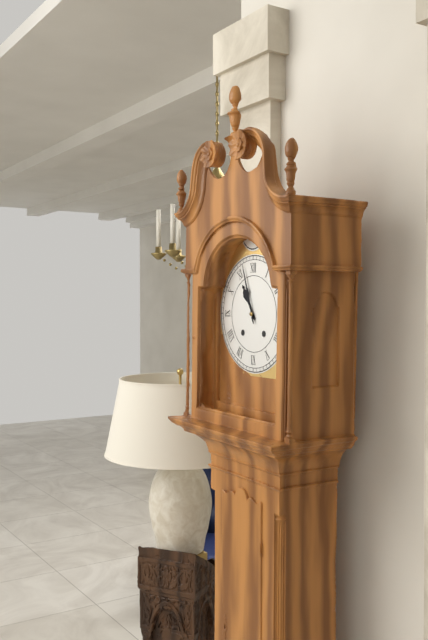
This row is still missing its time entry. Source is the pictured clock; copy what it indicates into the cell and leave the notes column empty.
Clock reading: 10:57
